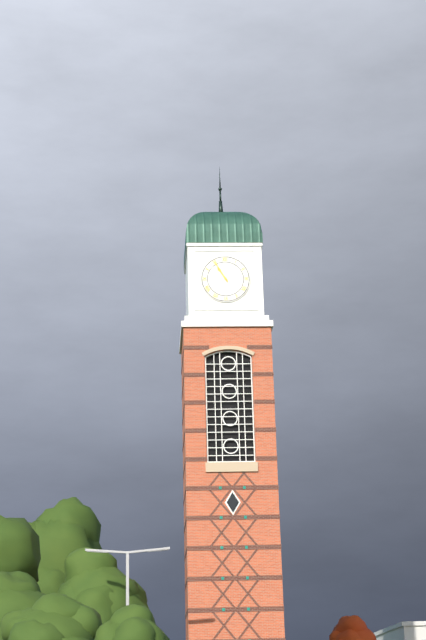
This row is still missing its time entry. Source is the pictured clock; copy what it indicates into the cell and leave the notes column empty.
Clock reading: 10:55
